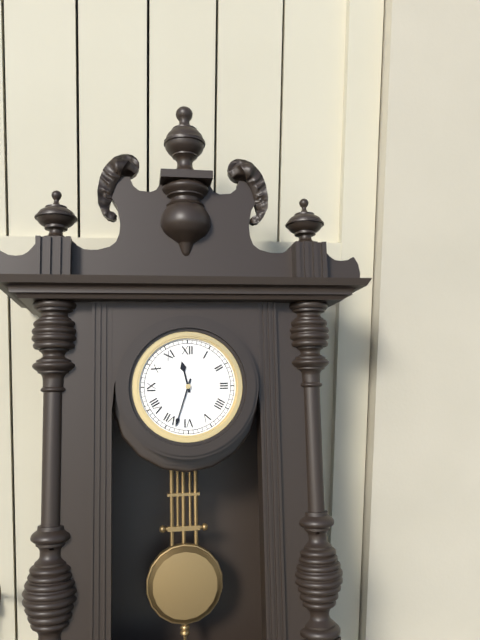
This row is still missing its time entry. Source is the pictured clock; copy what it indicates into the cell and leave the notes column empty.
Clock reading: 11:33
